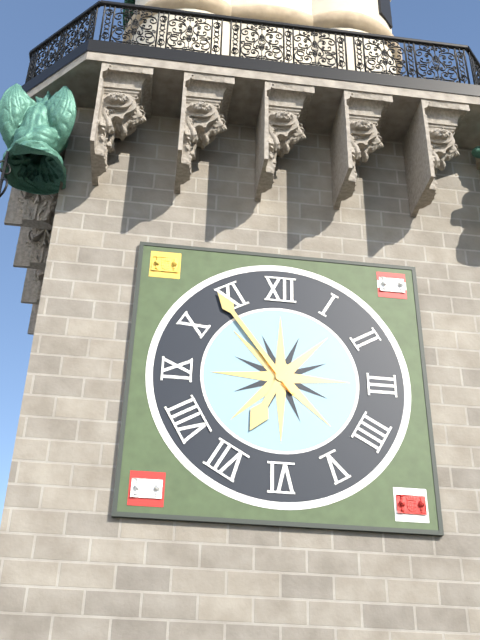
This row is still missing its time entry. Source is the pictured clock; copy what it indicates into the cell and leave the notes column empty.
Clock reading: 6:54
